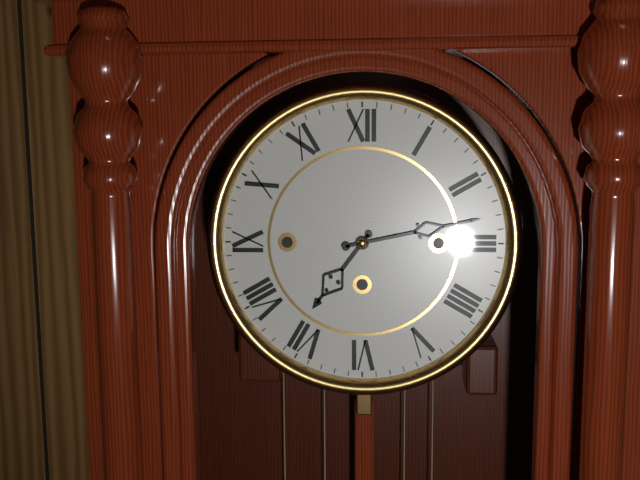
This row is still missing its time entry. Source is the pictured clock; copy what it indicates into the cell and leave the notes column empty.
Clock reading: 7:13
